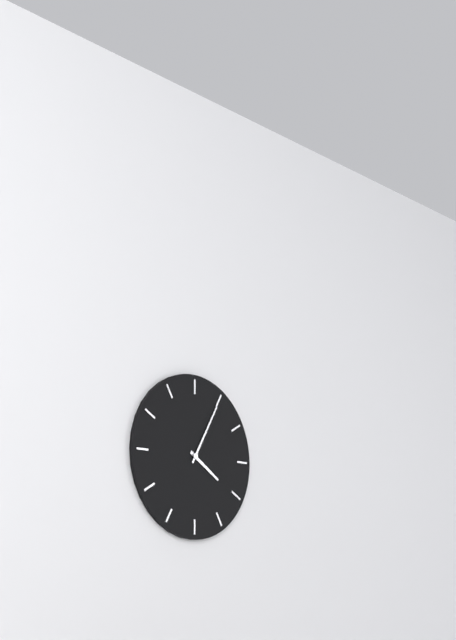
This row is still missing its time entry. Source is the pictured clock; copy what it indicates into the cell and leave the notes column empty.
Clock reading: 4:05
